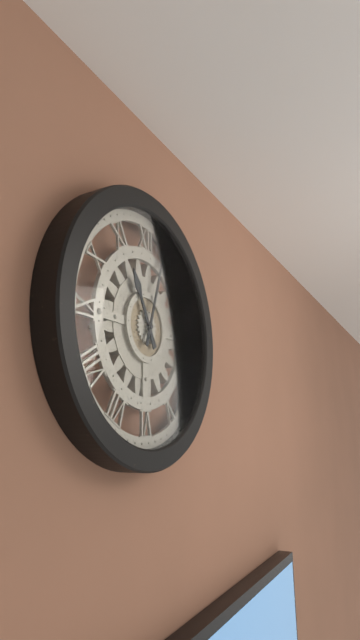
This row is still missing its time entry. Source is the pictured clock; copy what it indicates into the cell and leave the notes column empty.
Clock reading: 11:03
